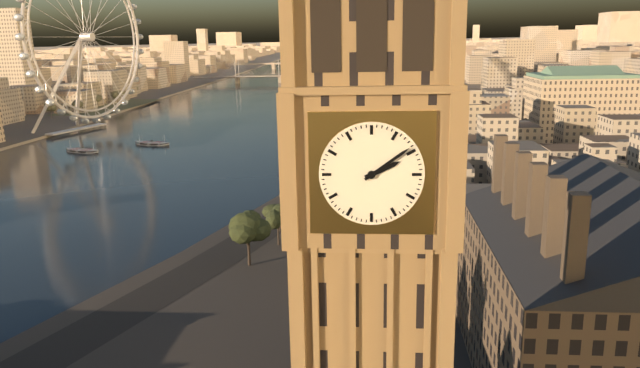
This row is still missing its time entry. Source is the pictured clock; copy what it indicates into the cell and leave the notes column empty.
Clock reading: 2:09
